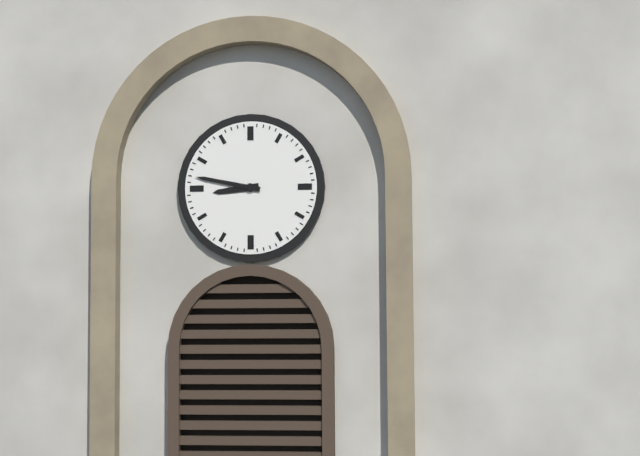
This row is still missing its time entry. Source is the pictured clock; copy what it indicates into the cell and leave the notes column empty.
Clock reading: 8:47
